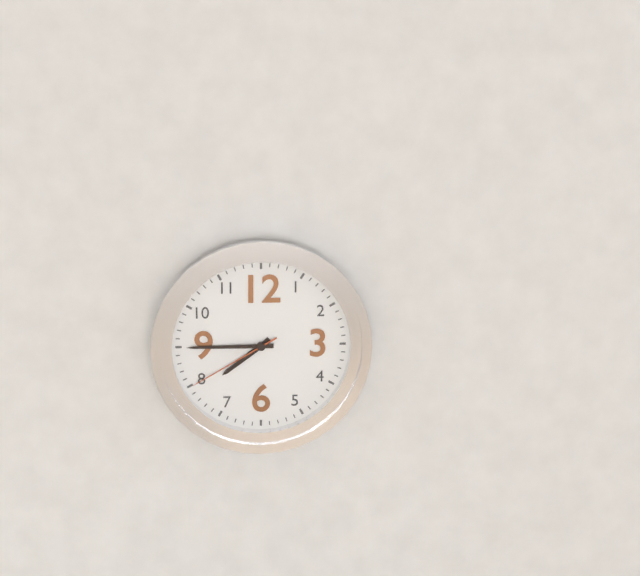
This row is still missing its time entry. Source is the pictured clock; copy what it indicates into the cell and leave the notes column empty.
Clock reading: 7:45:40
